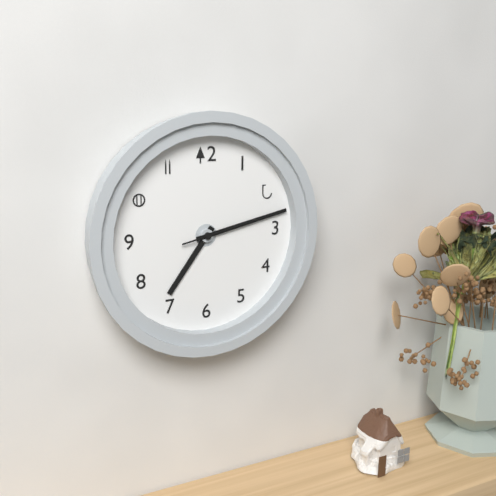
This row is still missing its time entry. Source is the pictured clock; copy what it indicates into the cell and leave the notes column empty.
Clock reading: 7:13:13
